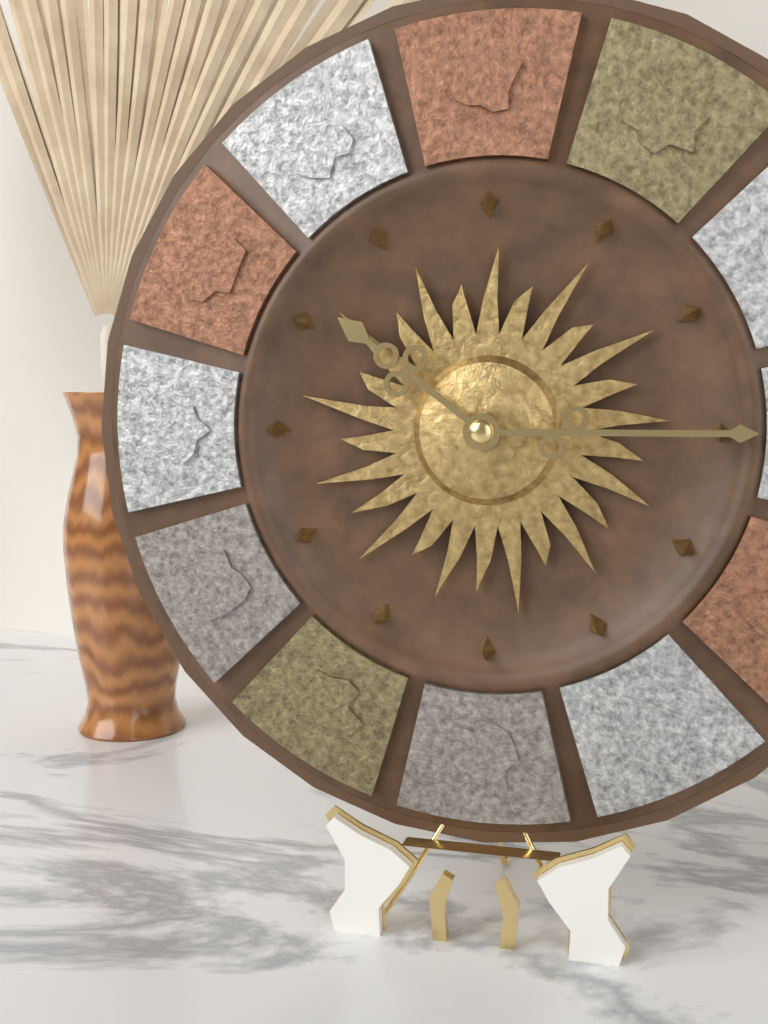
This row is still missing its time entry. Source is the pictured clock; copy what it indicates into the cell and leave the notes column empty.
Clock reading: 10:15
